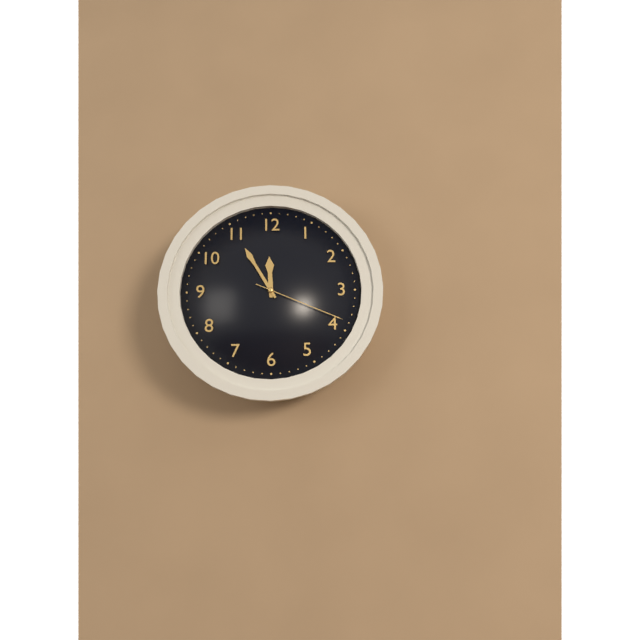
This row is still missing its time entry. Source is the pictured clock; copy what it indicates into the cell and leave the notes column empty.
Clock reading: 11:55:19
